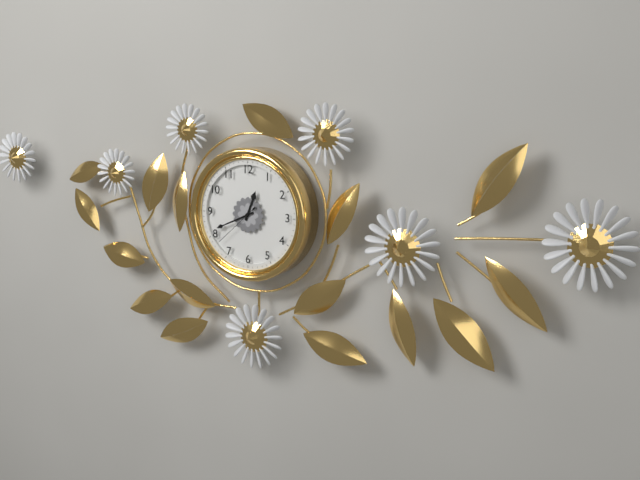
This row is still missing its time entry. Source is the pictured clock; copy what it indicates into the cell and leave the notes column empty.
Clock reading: 12:41
